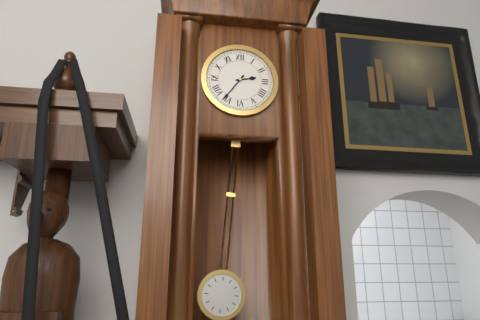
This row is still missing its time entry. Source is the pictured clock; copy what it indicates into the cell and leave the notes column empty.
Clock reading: 2:36
